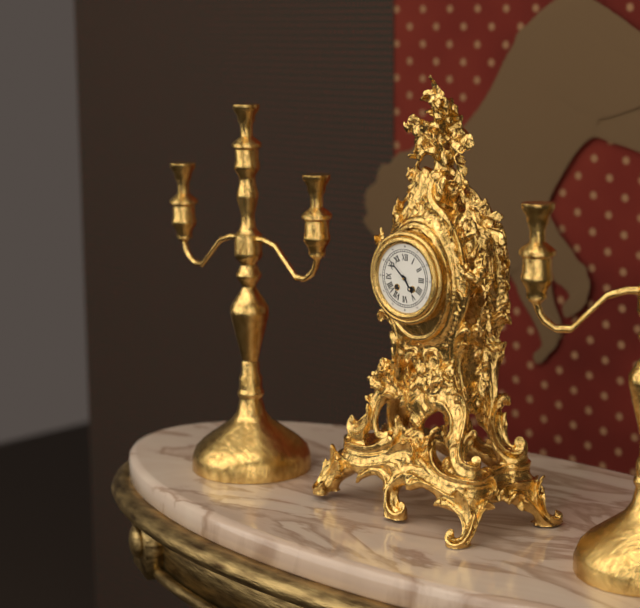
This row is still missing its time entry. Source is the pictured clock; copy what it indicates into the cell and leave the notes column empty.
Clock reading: 4:52
